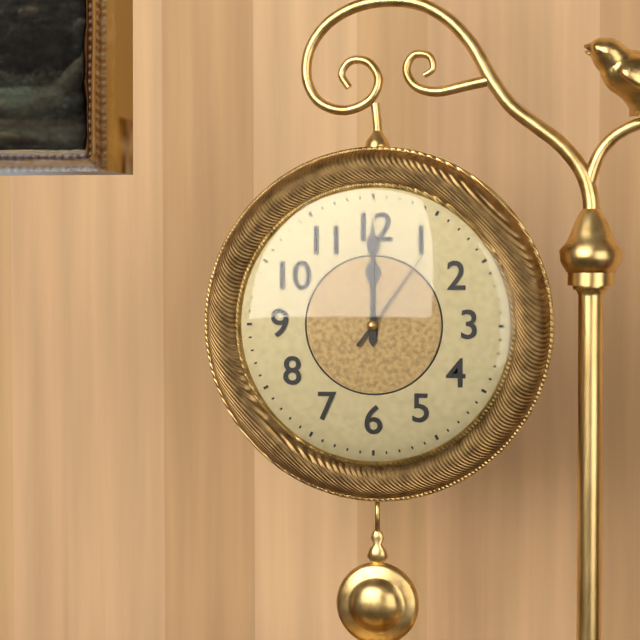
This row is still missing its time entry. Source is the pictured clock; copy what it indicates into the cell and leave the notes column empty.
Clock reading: 12:00:06
